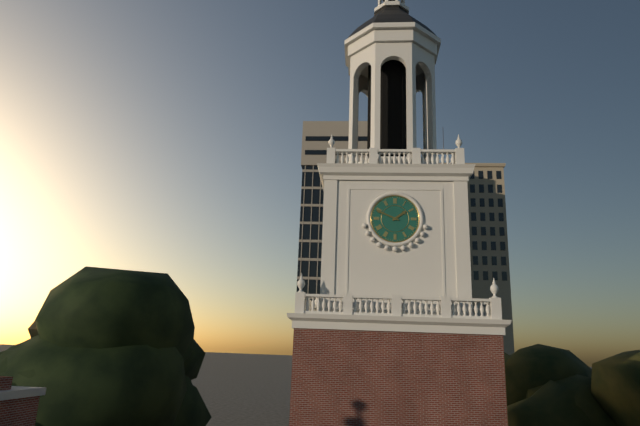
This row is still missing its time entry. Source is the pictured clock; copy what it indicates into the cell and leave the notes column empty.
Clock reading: 1:49
